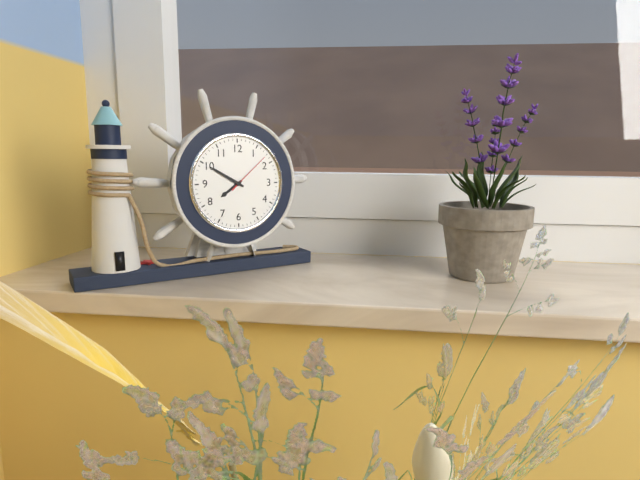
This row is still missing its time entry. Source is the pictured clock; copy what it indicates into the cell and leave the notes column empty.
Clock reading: 7:50
